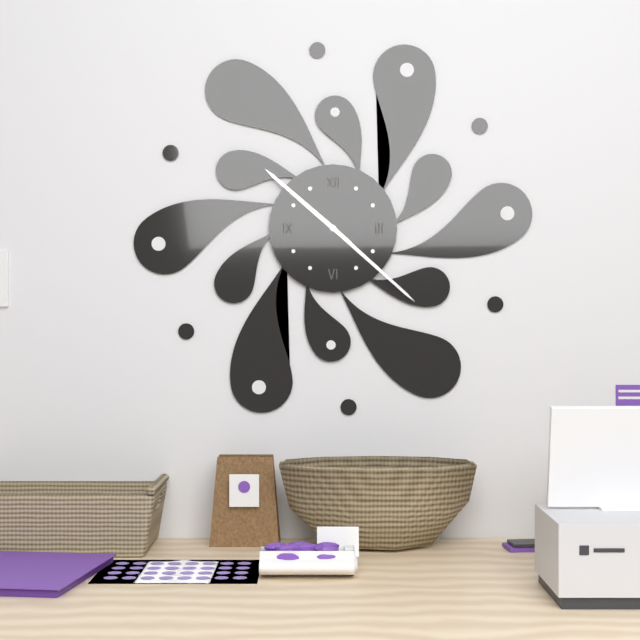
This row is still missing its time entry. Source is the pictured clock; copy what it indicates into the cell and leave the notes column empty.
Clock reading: 10:22
